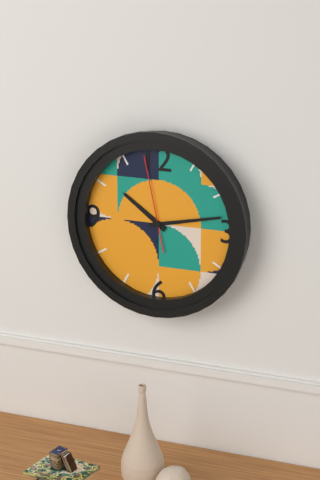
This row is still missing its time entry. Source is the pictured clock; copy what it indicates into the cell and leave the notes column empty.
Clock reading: 10:13:58
